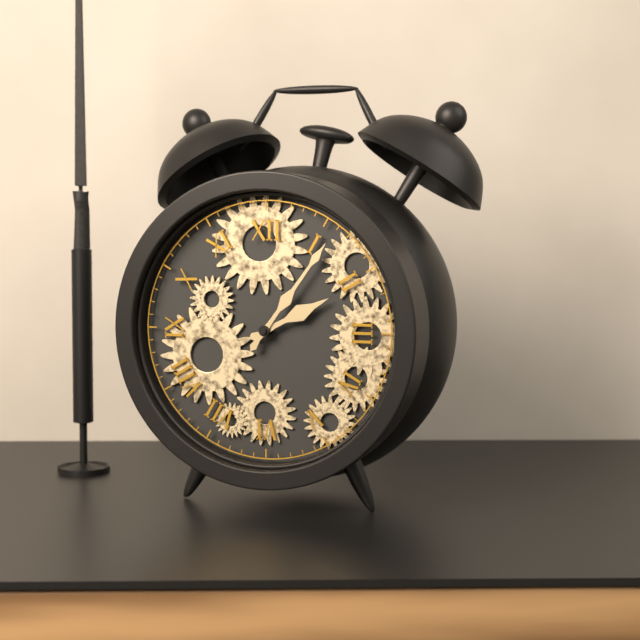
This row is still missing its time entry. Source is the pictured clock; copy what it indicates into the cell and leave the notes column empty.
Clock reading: 2:06
